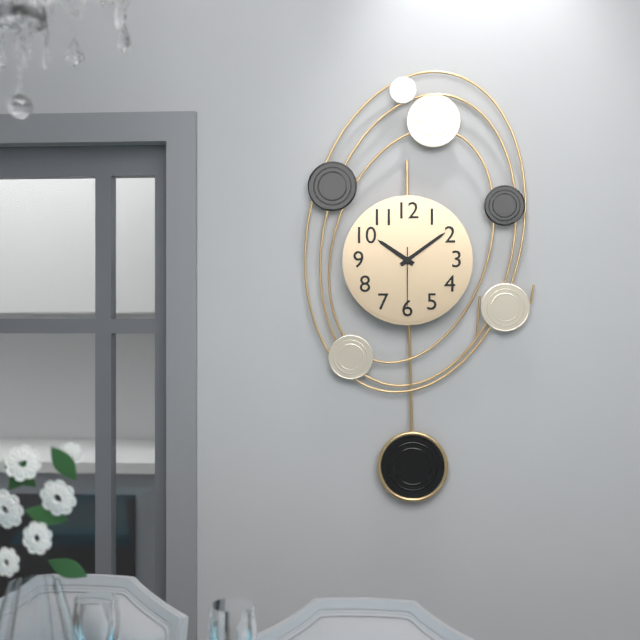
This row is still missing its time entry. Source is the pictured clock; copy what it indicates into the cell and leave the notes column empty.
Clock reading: 10:09:30
